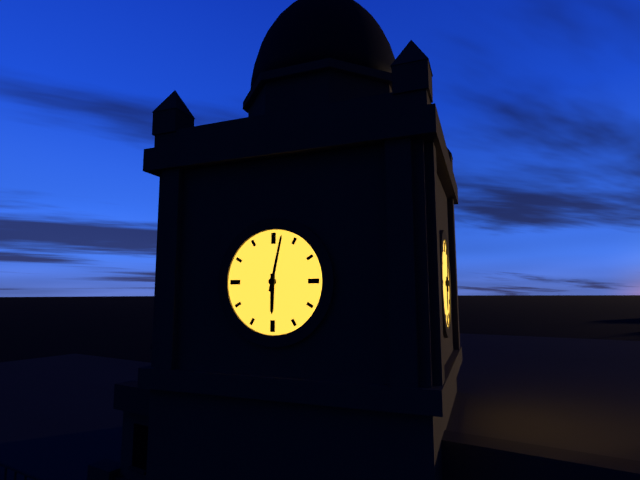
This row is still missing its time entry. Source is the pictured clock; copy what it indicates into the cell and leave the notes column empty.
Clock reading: 6:02
